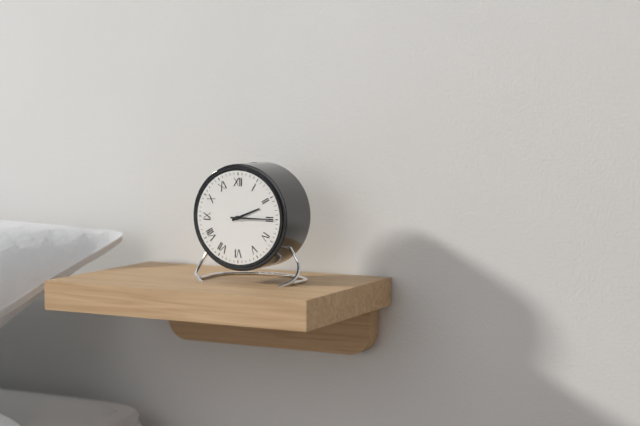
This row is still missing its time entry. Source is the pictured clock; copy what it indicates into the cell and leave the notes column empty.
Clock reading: 2:15
